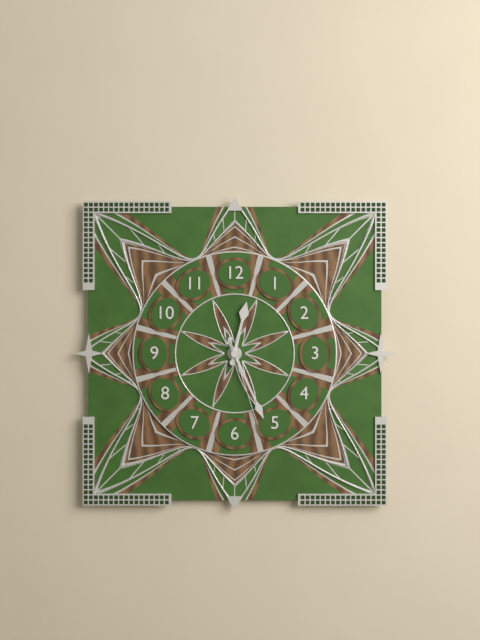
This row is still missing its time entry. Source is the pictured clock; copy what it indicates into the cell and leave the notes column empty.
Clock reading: 12:26:27
